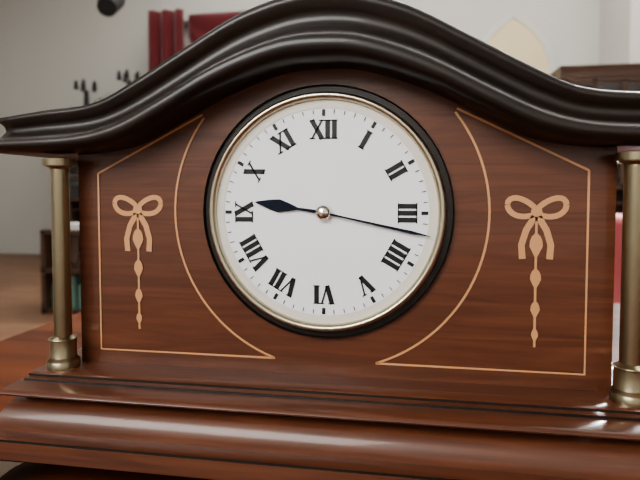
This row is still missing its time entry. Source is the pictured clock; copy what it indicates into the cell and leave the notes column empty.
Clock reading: 9:17
